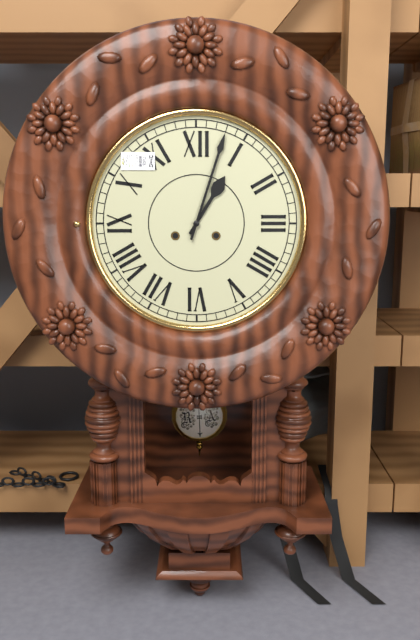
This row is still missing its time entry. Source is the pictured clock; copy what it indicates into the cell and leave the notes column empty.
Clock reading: 1:03
